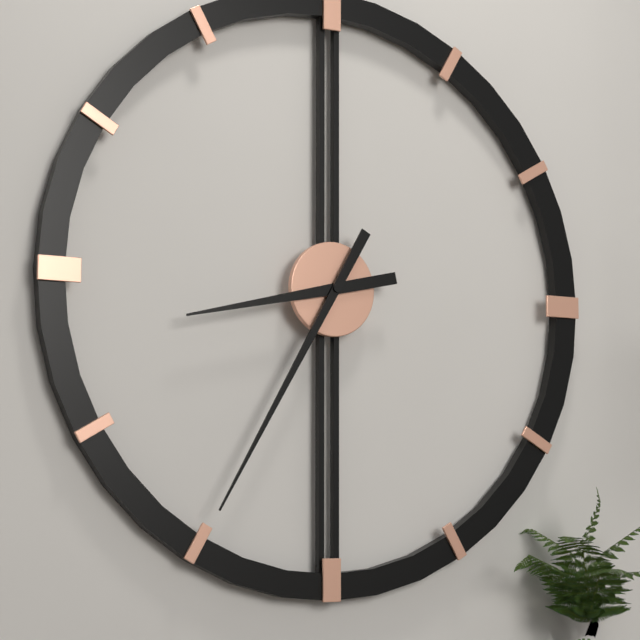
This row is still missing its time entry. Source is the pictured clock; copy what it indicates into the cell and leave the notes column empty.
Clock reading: 8:35
